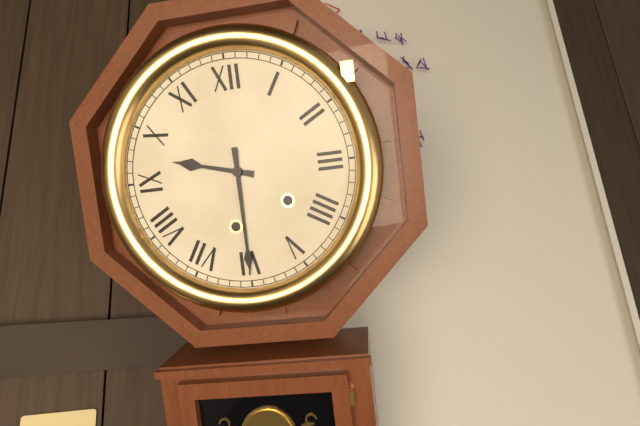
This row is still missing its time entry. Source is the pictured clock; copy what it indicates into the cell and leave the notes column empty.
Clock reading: 9:30
